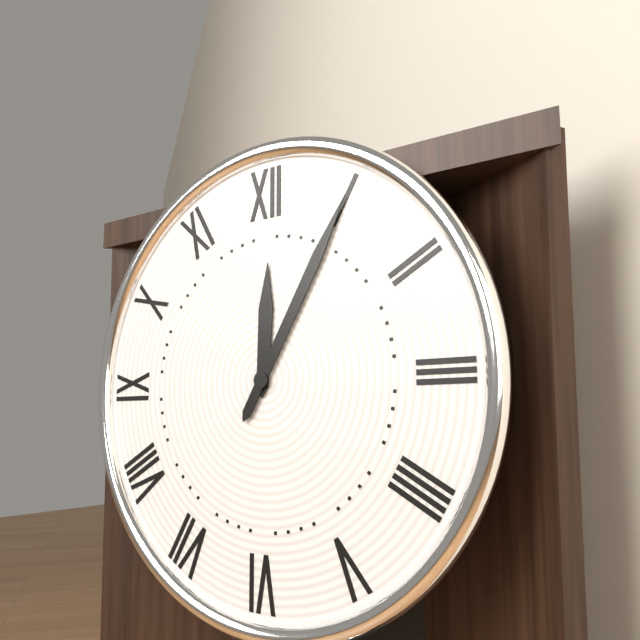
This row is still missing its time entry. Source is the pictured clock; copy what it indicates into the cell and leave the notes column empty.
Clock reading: 12:05
